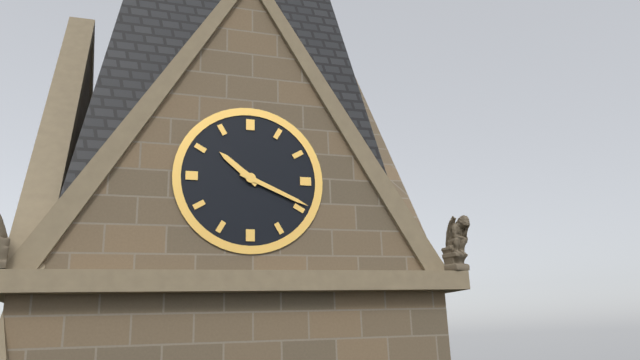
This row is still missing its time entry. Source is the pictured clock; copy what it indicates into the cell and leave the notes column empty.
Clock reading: 10:19
